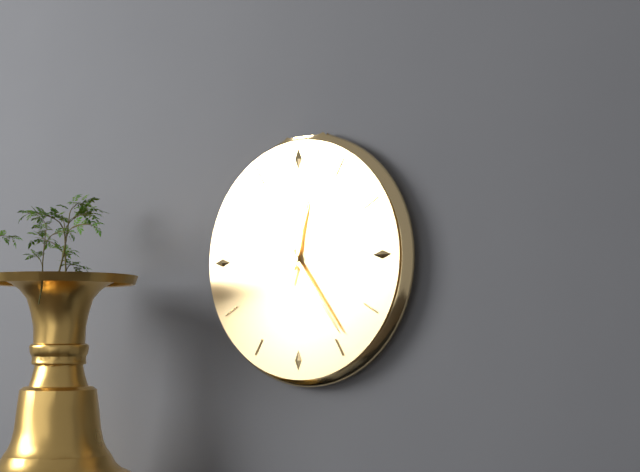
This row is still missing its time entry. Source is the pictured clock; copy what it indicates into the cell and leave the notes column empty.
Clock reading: 12:24:03
